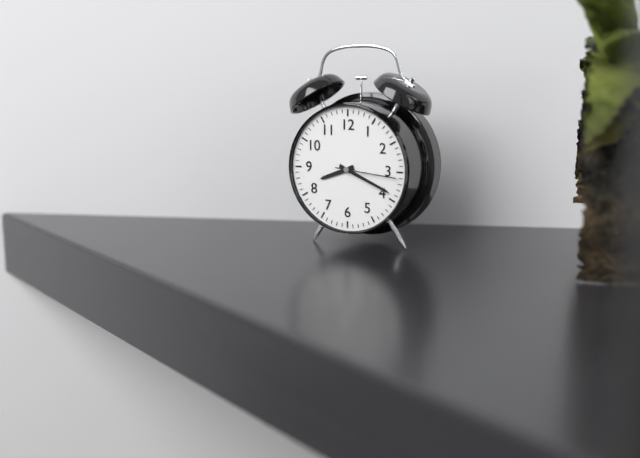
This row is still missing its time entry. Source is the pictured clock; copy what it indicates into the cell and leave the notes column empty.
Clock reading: 8:19:16
